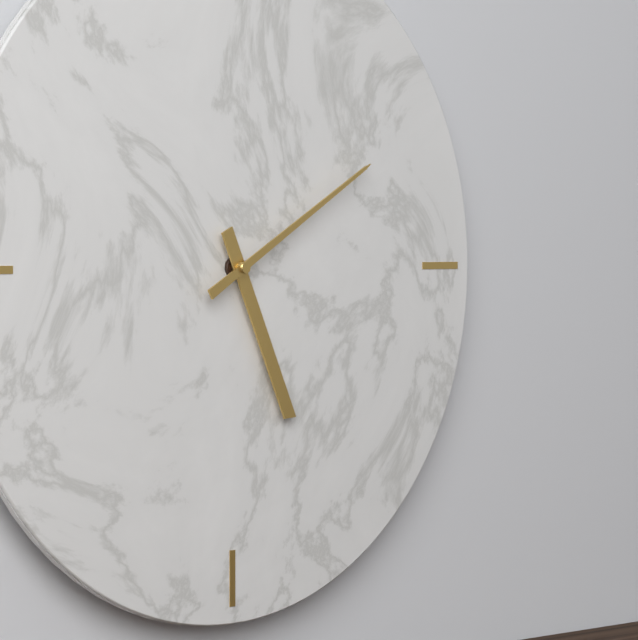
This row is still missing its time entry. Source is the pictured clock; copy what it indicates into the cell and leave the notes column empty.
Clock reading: 5:10
